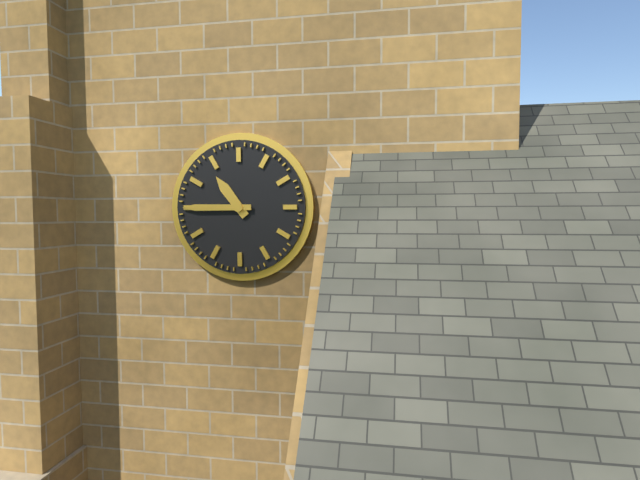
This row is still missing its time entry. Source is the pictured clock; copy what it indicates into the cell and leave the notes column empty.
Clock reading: 10:45
